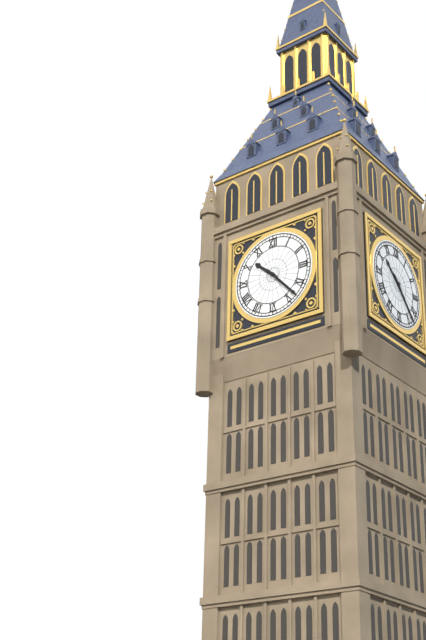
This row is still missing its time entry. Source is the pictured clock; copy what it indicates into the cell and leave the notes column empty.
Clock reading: 10:23
